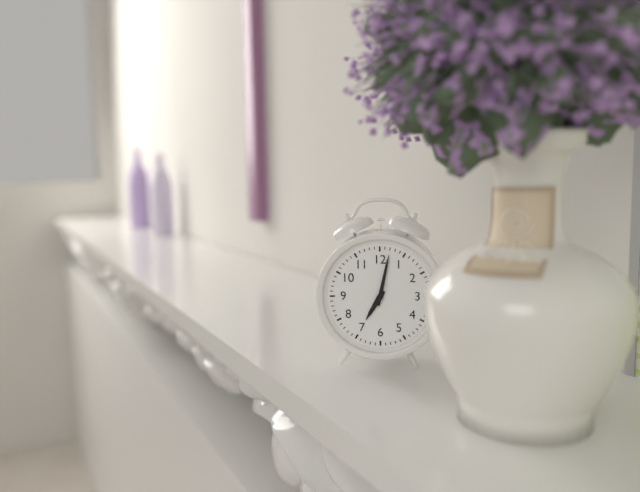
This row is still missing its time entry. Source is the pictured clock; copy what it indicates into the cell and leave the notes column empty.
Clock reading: 7:02
